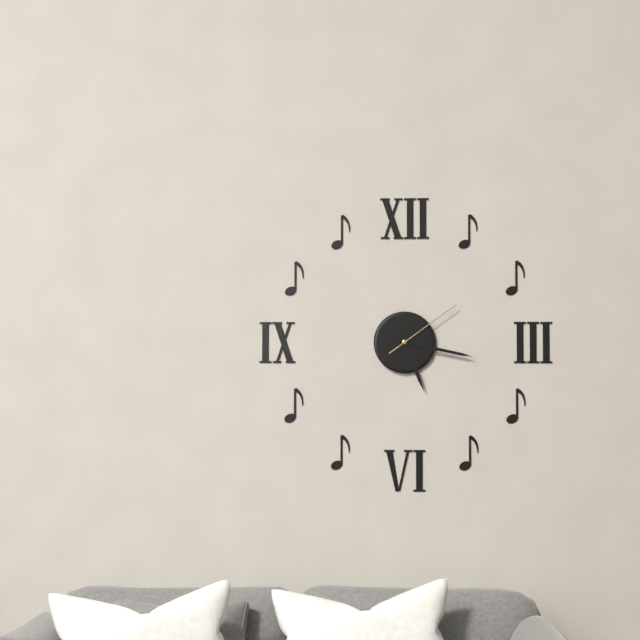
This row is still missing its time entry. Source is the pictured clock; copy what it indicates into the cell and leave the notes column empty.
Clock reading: 5:17:09
